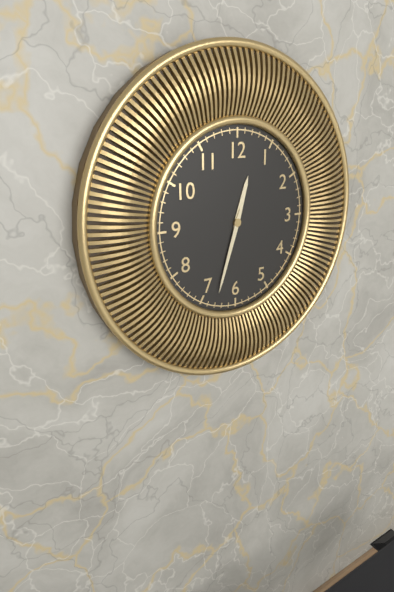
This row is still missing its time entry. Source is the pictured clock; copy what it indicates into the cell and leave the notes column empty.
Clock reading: 12:33
